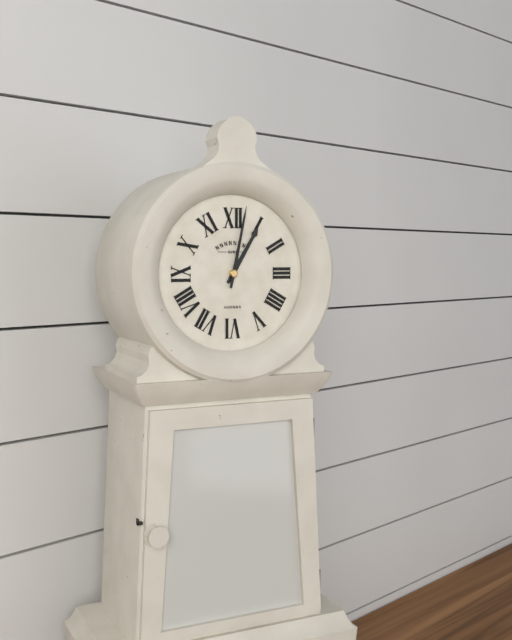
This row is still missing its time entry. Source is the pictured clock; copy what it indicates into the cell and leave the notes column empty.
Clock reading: 1:02
